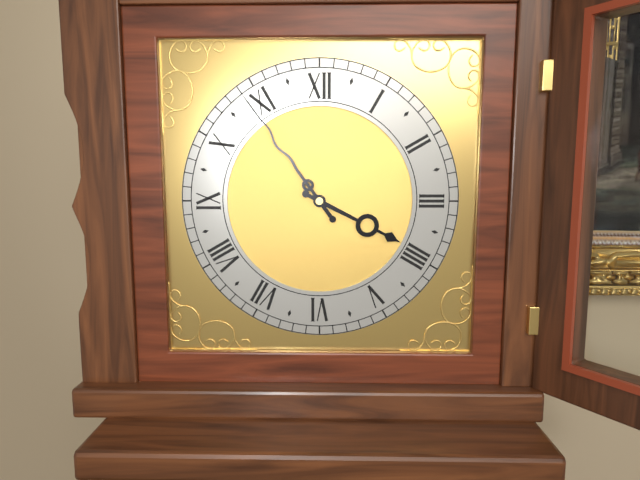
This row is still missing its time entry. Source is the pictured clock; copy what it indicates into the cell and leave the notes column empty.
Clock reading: 3:54
